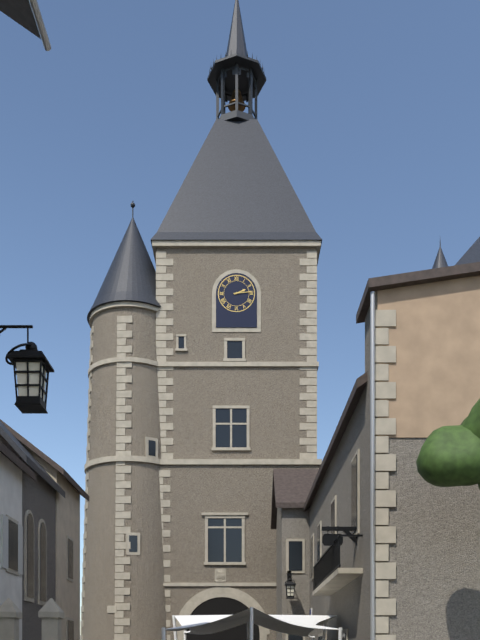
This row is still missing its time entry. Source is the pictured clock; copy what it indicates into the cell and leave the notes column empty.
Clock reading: 2:14
